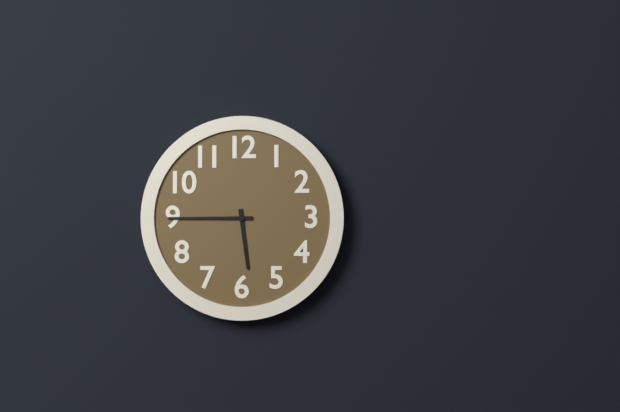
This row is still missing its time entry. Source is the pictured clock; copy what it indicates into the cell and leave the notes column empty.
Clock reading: 5:45
